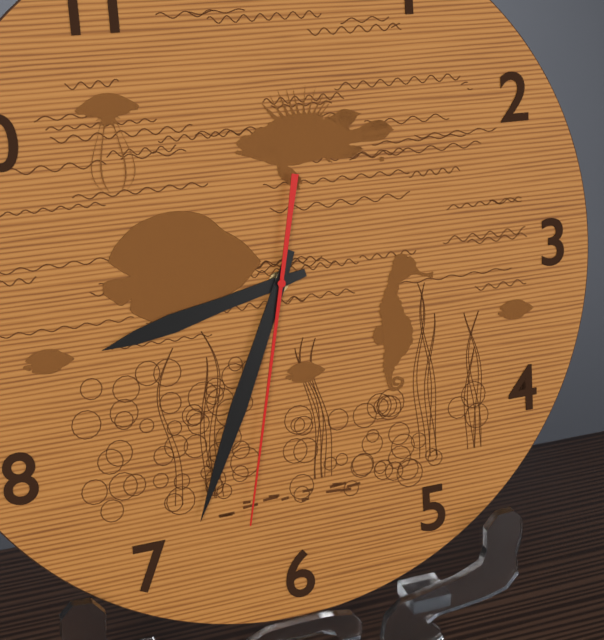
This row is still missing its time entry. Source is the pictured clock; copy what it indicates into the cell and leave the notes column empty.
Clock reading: 8:34:32
